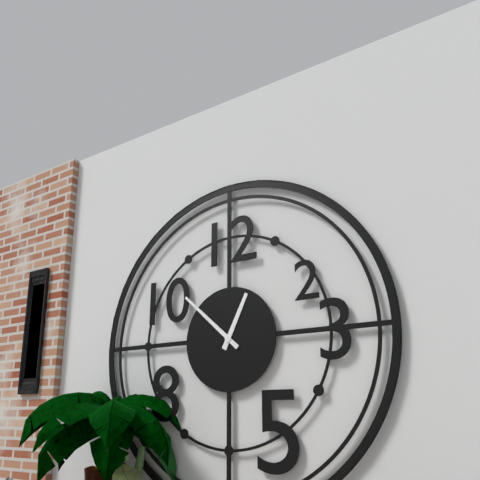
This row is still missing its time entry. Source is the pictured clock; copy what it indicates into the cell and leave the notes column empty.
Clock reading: 12:52
